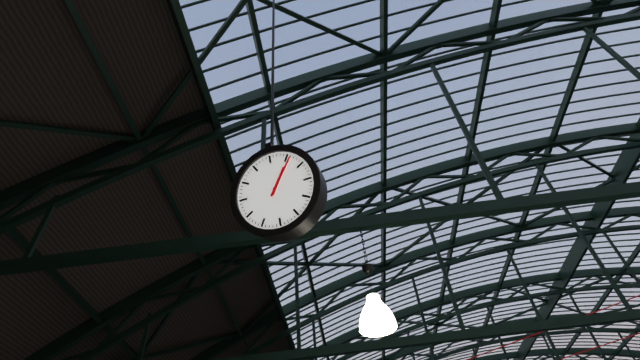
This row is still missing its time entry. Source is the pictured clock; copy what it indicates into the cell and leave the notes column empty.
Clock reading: 1:06
